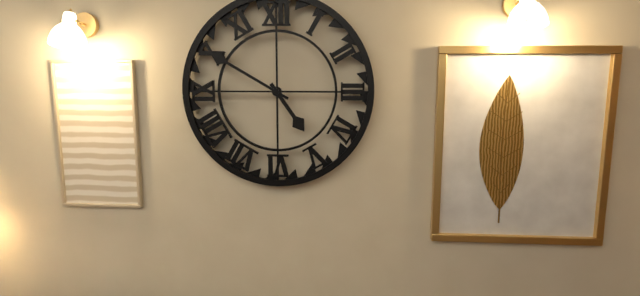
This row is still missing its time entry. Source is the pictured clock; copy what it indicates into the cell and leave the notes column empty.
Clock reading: 4:50
